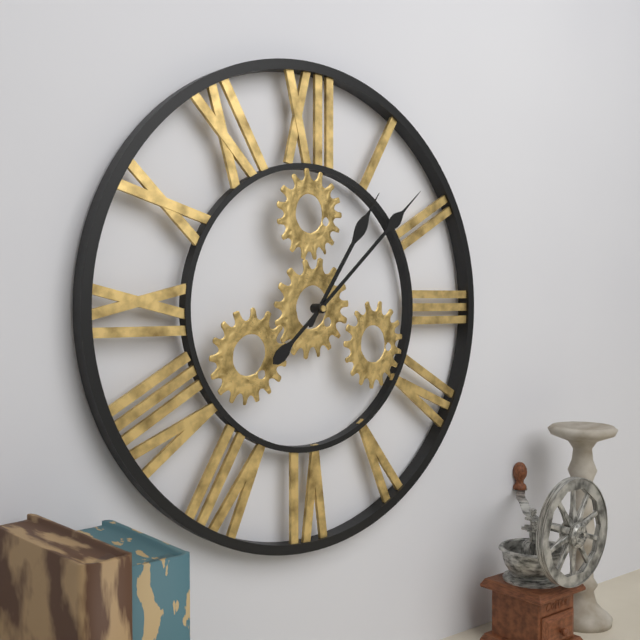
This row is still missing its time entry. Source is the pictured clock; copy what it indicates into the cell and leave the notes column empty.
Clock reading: 1:08
